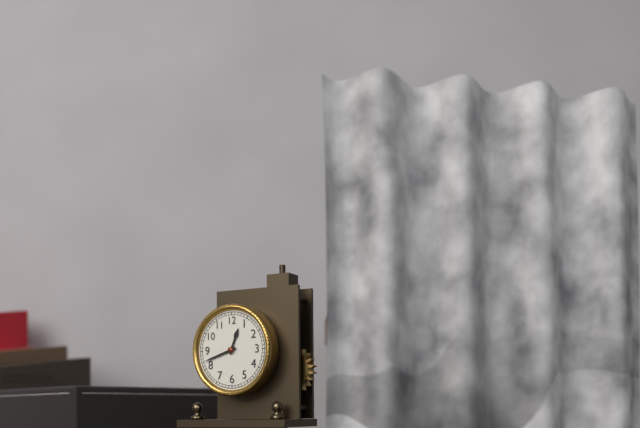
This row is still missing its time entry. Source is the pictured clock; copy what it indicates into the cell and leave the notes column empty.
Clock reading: 12:42
